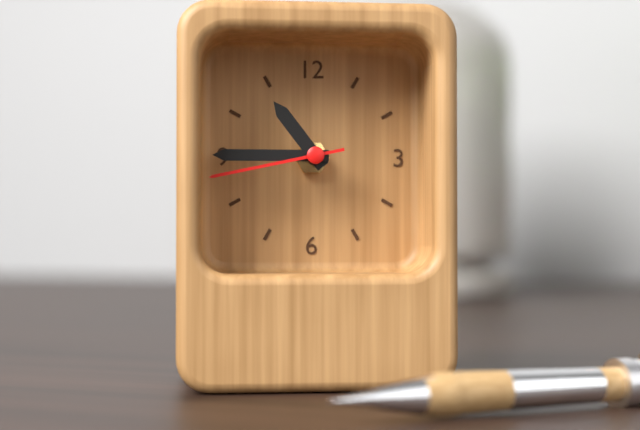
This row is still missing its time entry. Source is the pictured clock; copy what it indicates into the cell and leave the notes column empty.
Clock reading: 10:45:43
